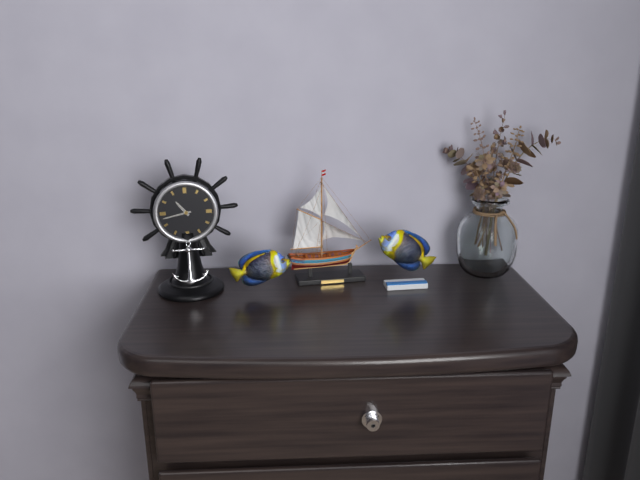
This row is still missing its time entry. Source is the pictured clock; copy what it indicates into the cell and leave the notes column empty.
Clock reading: 10:43
